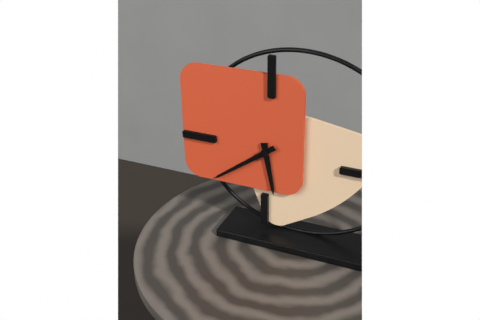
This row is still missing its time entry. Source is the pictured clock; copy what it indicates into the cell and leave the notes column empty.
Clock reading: 5:39
